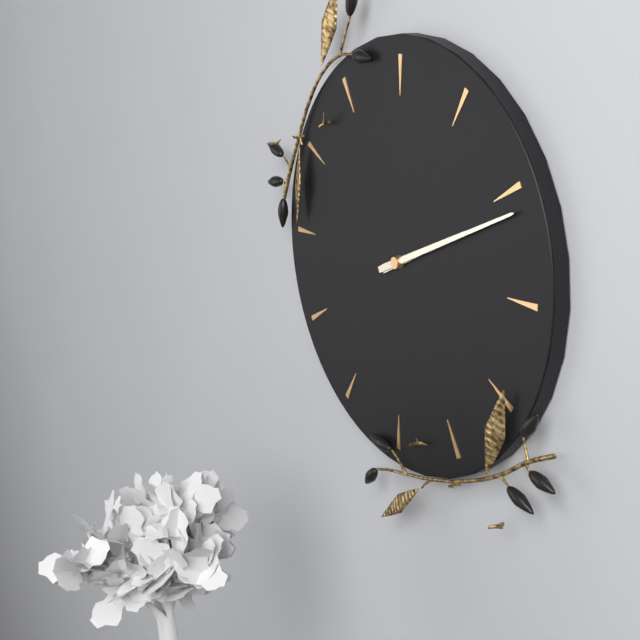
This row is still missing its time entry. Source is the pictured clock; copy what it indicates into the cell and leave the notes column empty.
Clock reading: 2:11
